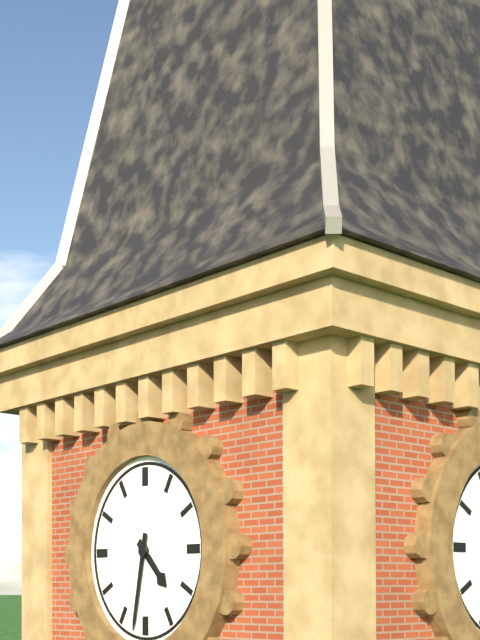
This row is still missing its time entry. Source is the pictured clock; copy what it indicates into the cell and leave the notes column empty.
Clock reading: 4:32
